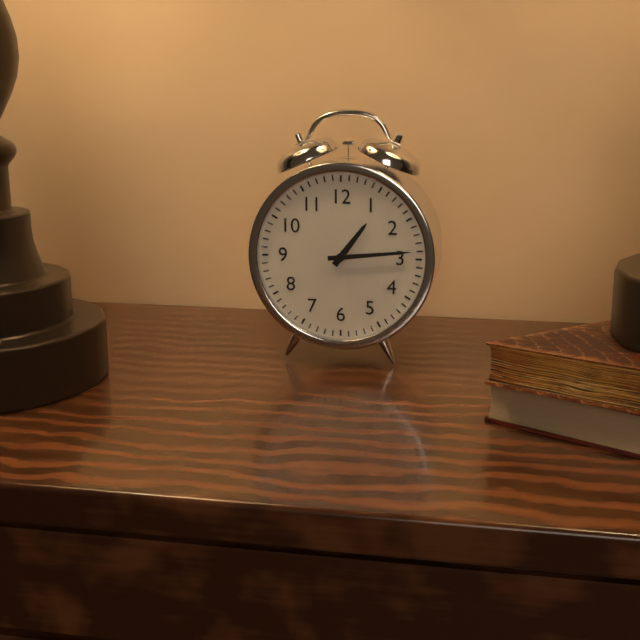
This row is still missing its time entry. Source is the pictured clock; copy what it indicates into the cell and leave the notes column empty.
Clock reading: 1:14
